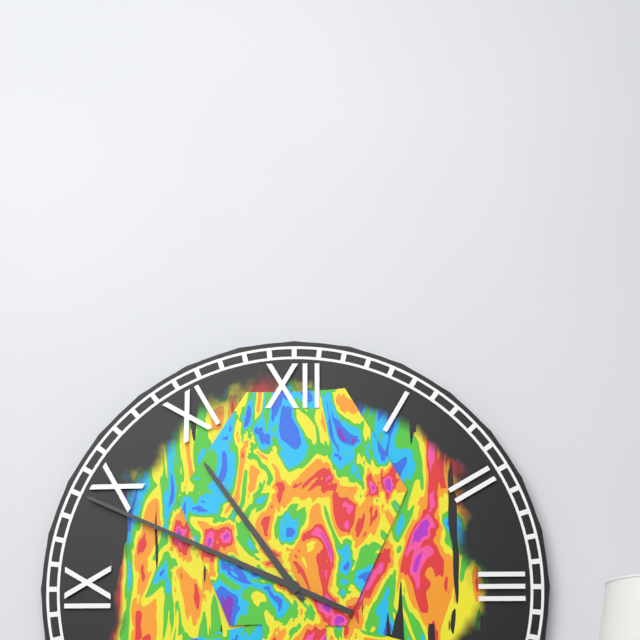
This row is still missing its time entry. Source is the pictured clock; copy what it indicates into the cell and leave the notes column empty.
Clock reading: 10:49
